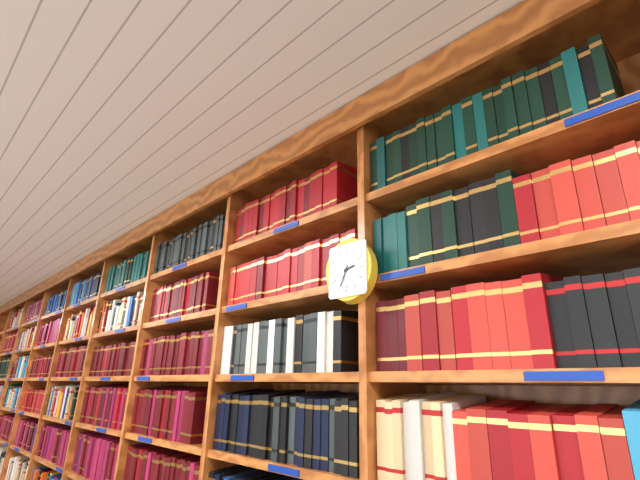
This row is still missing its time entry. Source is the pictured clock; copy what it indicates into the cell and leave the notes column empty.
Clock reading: 2:34
